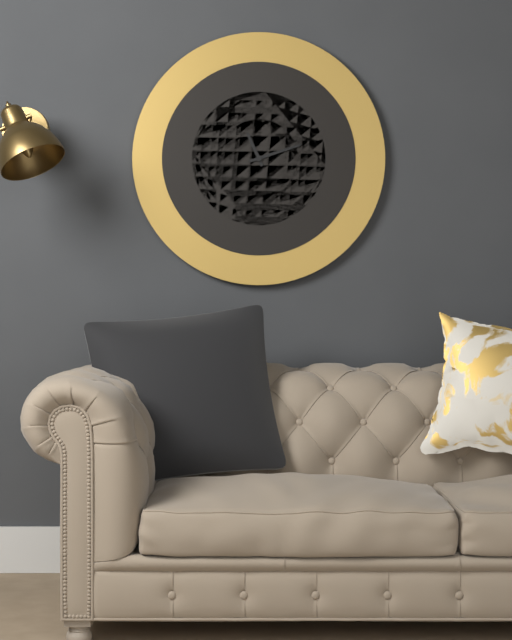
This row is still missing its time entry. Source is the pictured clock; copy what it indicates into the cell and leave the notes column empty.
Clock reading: 11:12
